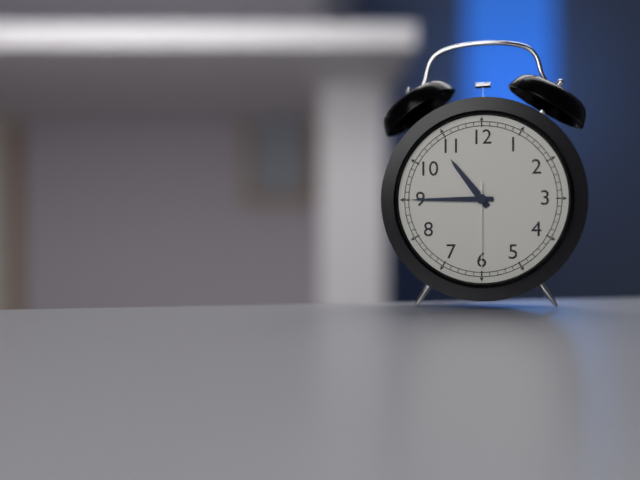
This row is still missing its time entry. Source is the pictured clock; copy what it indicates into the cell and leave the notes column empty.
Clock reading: 10:45:30
